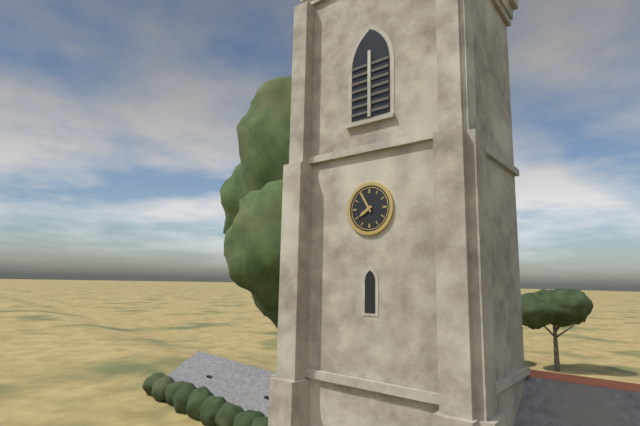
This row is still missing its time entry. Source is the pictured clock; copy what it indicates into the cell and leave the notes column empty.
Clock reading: 7:55
